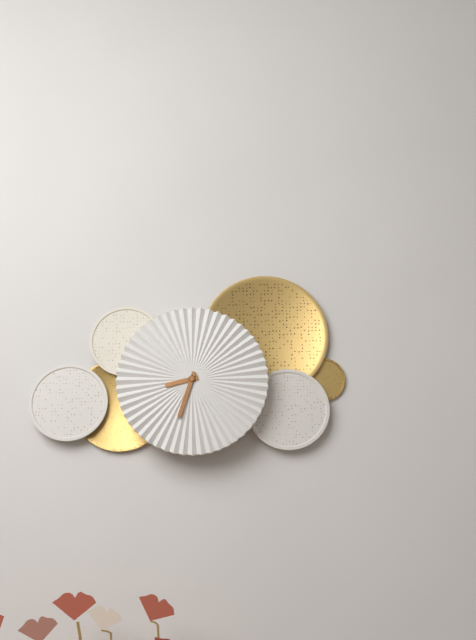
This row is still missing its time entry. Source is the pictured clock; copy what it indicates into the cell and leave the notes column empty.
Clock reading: 8:33
